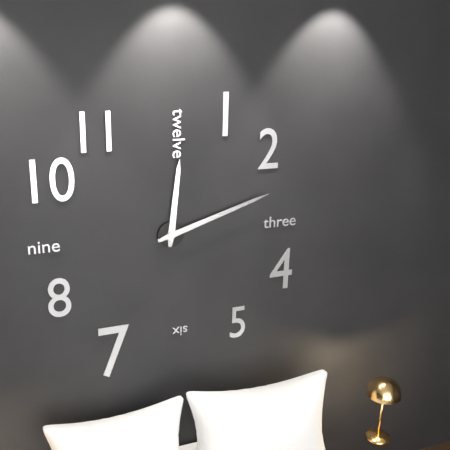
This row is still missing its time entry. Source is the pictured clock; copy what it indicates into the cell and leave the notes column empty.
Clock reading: 12:12
